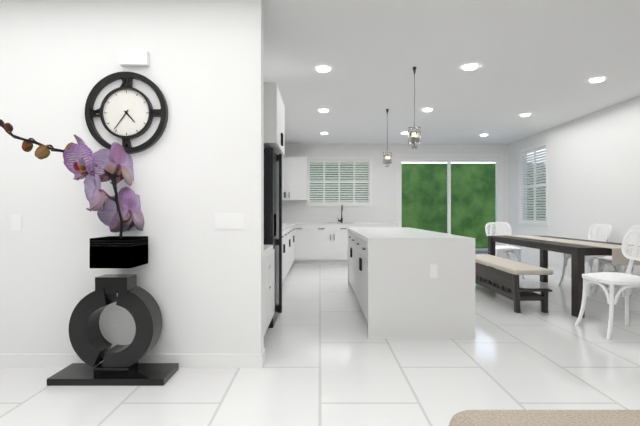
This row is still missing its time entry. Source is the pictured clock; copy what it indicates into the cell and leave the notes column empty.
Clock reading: 4:36
